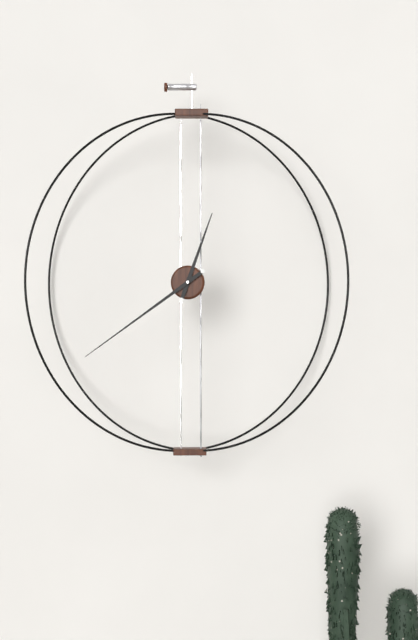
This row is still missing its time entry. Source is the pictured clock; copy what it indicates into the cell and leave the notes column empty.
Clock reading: 12:39
